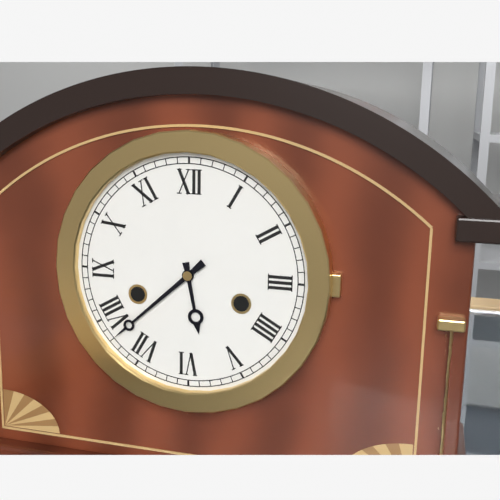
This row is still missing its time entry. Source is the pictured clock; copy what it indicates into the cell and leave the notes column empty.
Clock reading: 5:38
